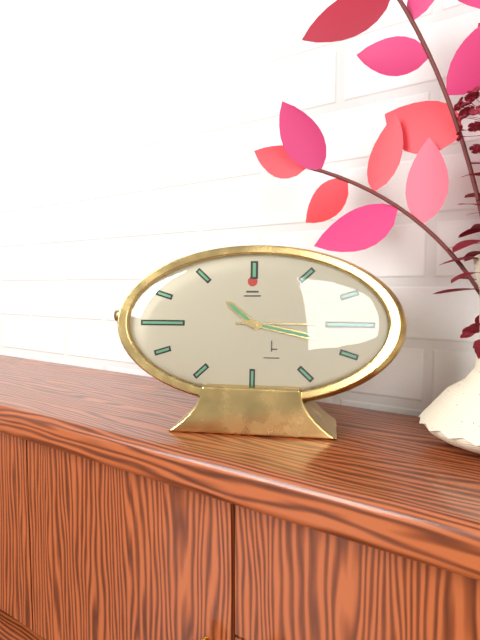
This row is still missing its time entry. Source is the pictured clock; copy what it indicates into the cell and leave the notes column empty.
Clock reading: 10:17:15
